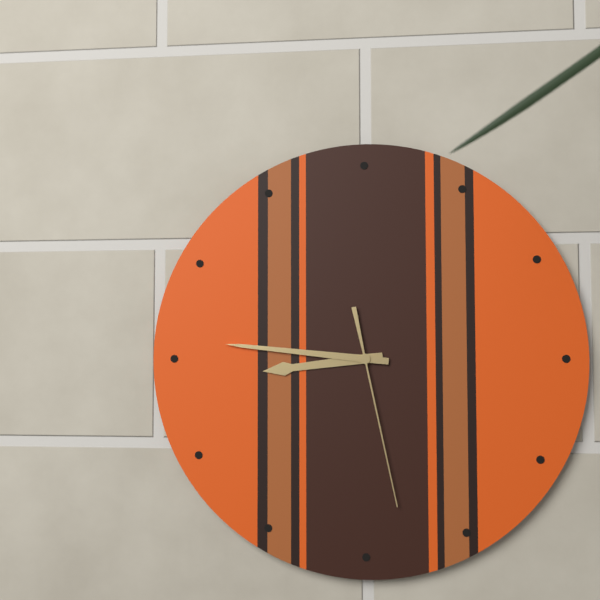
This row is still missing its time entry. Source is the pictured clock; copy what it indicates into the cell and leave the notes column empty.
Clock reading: 8:46:28
